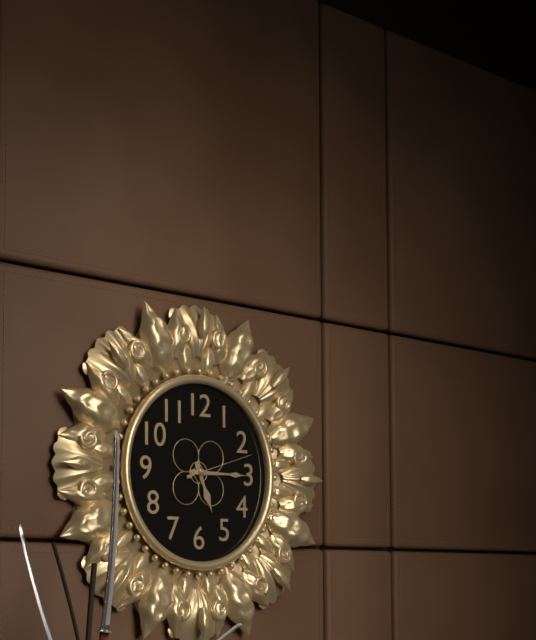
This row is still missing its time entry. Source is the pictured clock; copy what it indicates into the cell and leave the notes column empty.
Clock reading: 5:15:12
